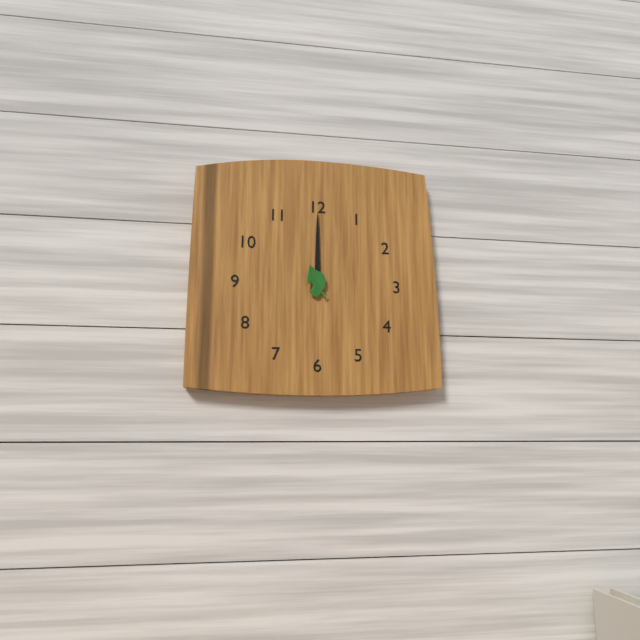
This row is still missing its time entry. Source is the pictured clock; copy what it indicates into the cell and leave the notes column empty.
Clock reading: 12:00
